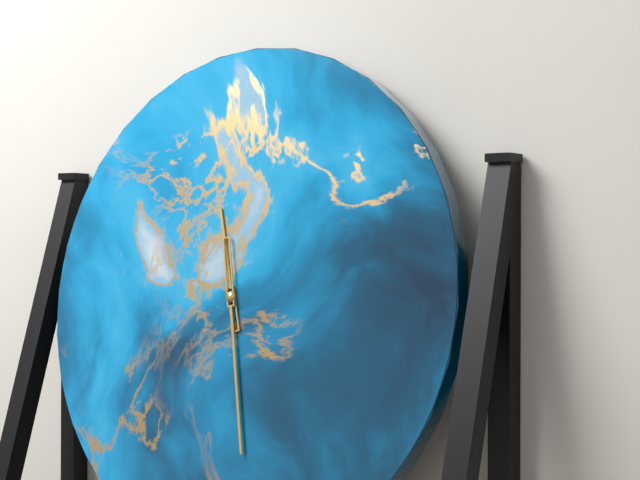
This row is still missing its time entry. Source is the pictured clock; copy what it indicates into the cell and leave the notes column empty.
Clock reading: 11:28
